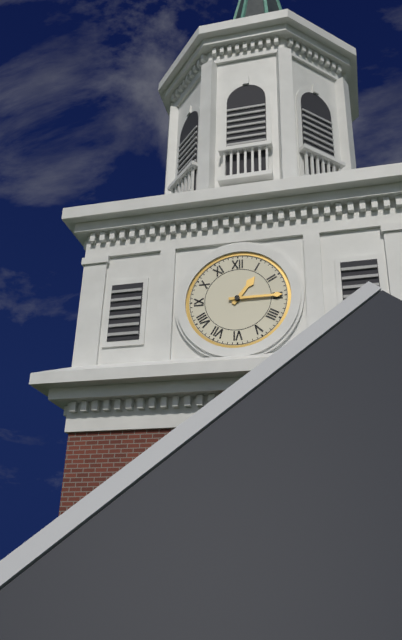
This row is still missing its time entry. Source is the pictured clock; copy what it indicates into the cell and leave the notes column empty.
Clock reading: 1:15
